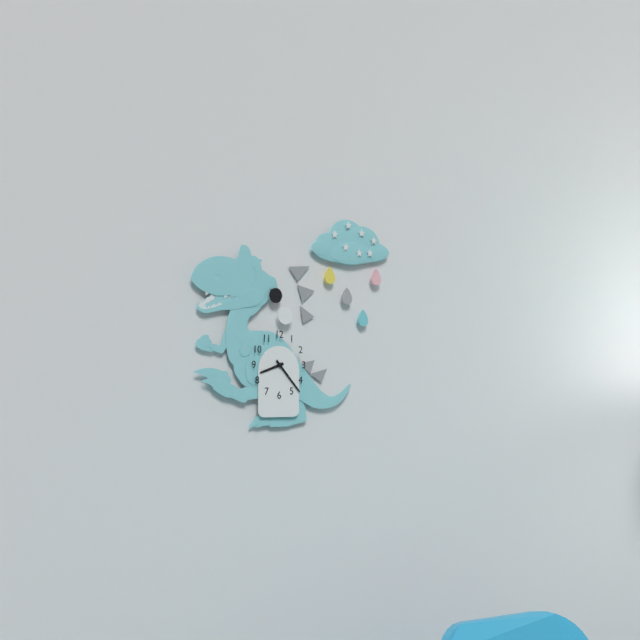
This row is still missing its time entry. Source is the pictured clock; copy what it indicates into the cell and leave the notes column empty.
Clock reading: 8:23
